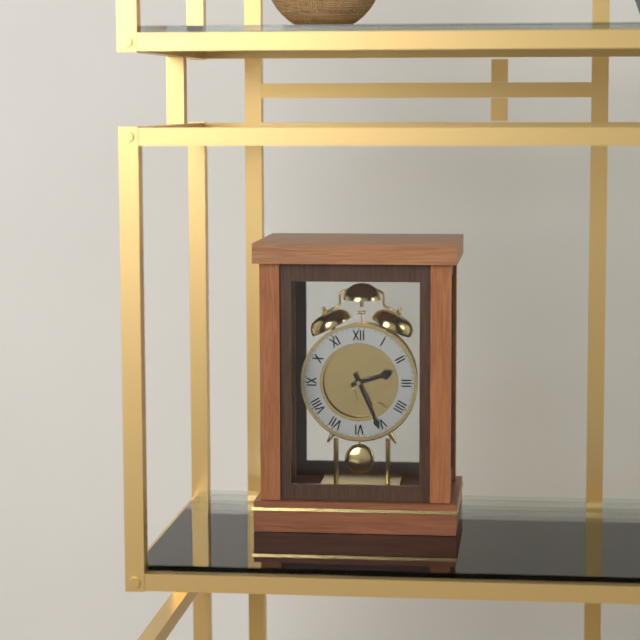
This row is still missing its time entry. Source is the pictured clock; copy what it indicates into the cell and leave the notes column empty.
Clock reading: 2:26
